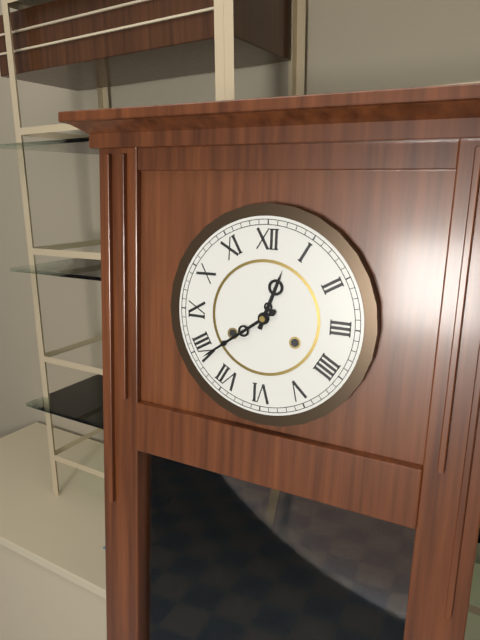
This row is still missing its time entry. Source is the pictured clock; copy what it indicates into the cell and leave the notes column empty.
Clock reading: 12:39
